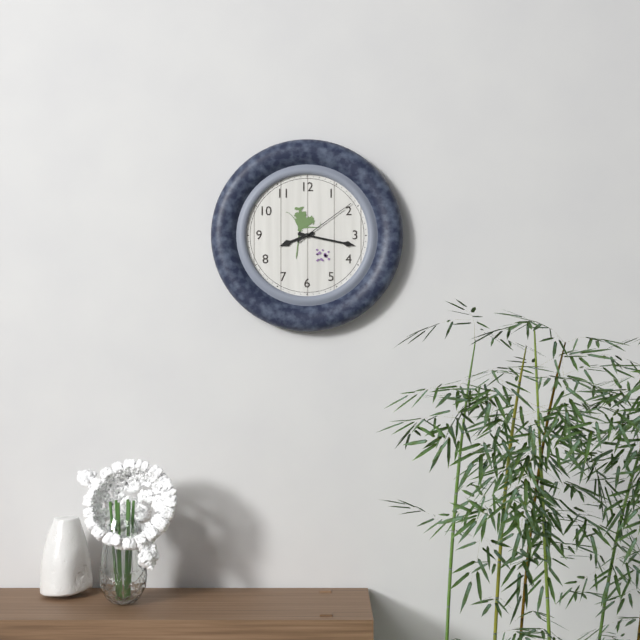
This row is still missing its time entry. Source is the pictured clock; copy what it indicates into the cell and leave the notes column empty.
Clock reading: 8:17:09
